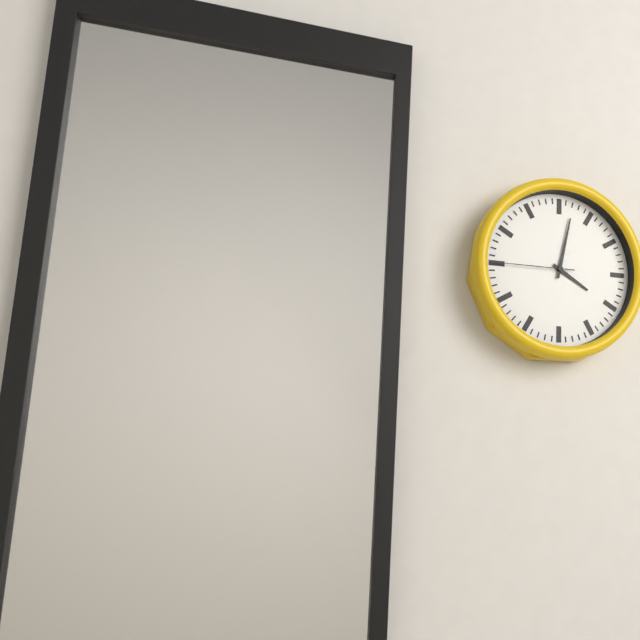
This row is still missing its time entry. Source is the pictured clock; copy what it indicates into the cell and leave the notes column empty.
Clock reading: 4:02:45
